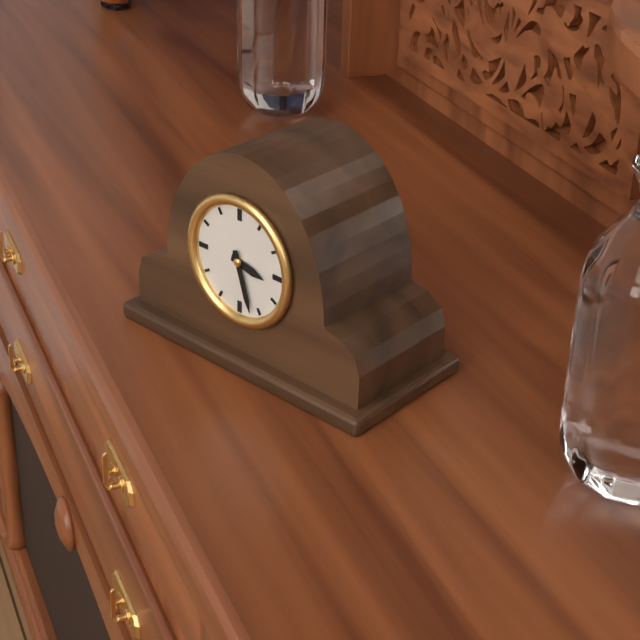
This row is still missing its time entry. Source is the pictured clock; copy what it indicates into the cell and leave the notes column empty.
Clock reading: 3:27
